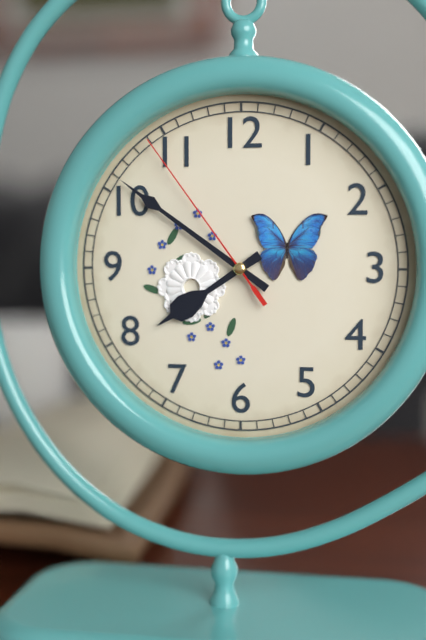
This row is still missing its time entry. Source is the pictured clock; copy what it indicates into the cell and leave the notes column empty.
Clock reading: 7:51:54
